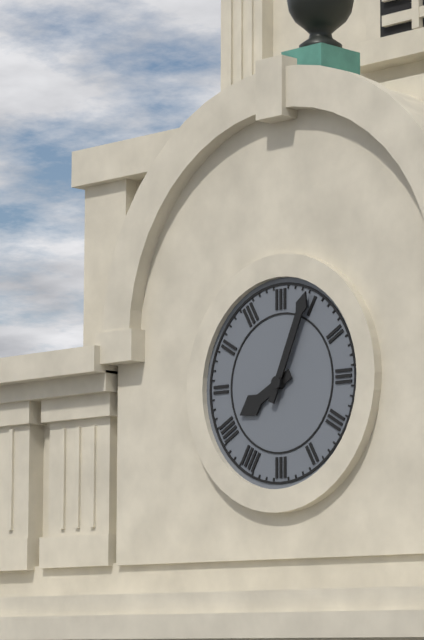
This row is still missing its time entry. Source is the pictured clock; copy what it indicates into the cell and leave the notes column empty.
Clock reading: 8:04
